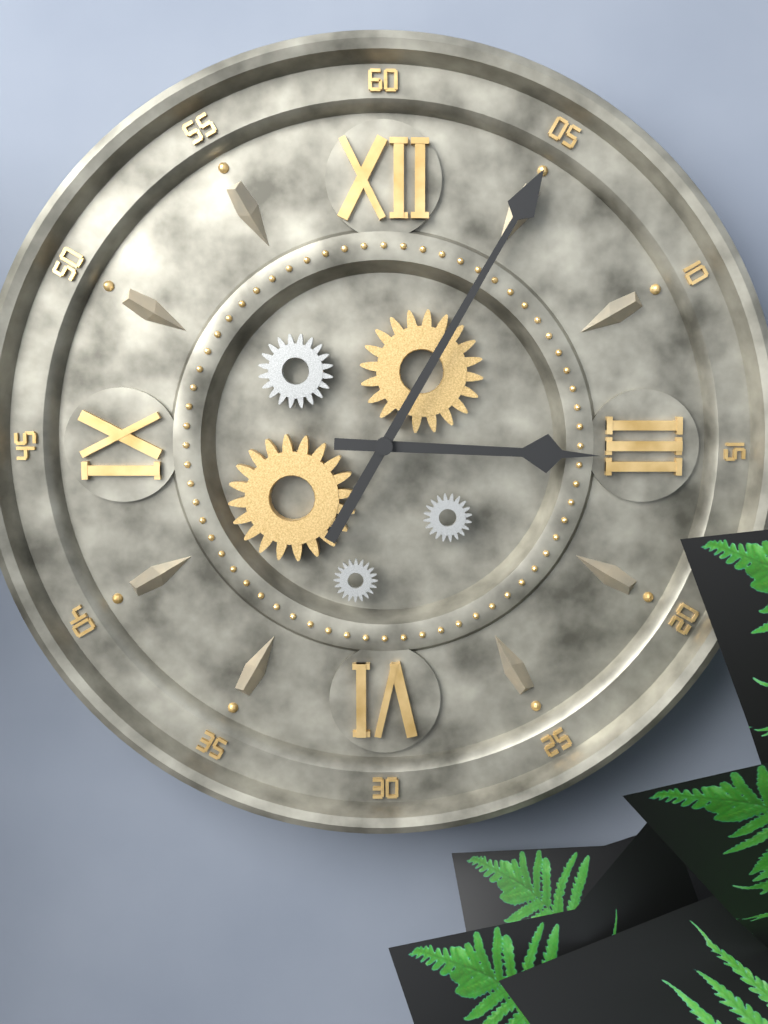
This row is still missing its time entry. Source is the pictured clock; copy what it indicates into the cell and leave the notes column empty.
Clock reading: 3:05
